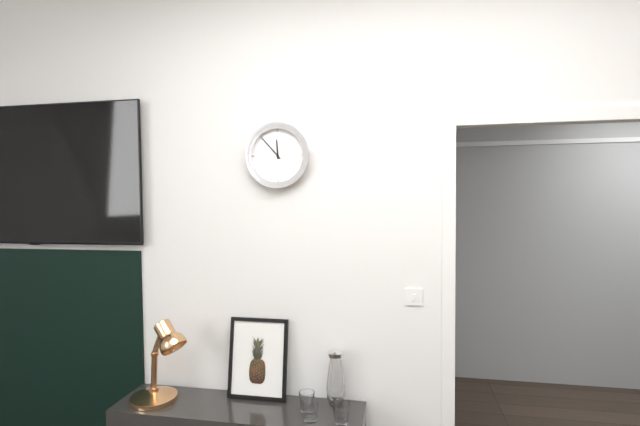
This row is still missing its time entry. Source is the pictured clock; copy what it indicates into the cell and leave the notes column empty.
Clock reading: 11:53
